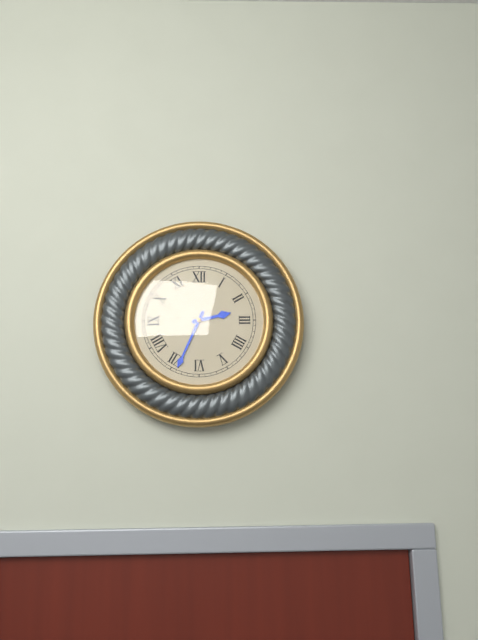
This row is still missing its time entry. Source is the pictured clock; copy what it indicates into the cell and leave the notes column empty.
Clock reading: 2:34
